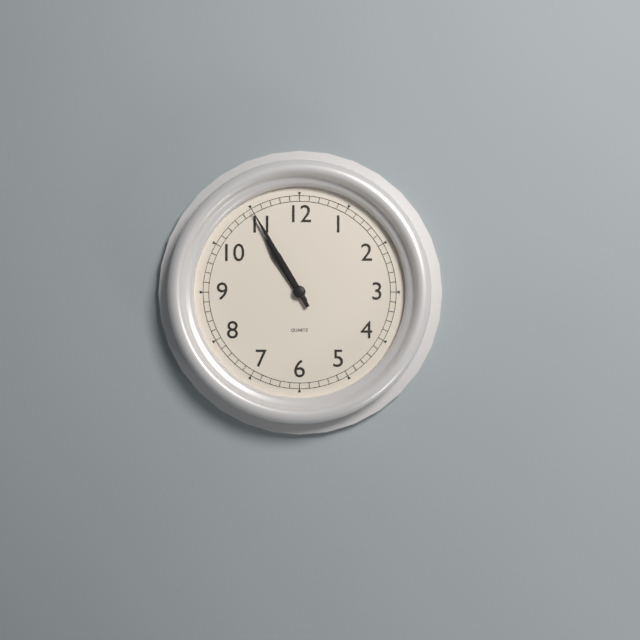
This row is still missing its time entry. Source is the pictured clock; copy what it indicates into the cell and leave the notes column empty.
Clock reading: 10:55
